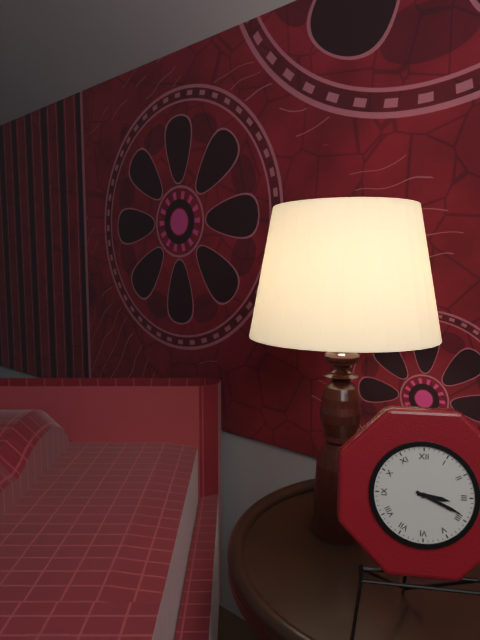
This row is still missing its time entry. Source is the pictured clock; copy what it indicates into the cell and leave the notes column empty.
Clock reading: 3:19
